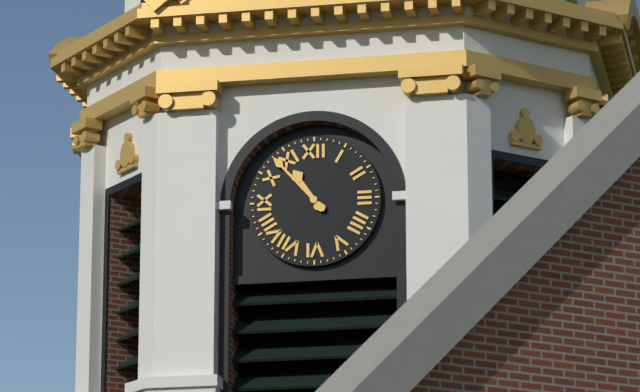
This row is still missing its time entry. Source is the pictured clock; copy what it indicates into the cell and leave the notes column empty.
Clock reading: 10:53
